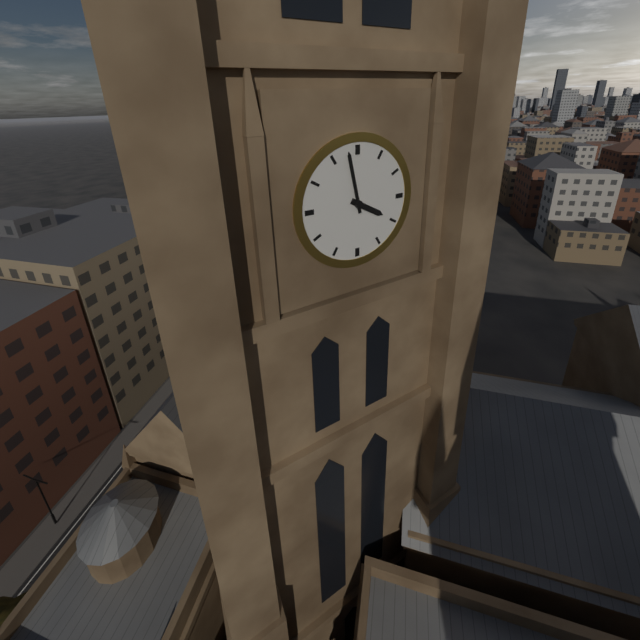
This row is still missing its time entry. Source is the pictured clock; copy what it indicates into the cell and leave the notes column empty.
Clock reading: 3:58
